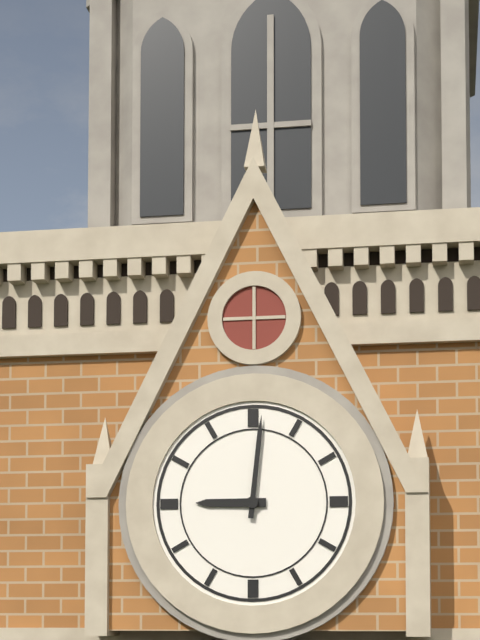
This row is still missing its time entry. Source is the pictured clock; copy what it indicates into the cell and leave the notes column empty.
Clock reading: 9:01
